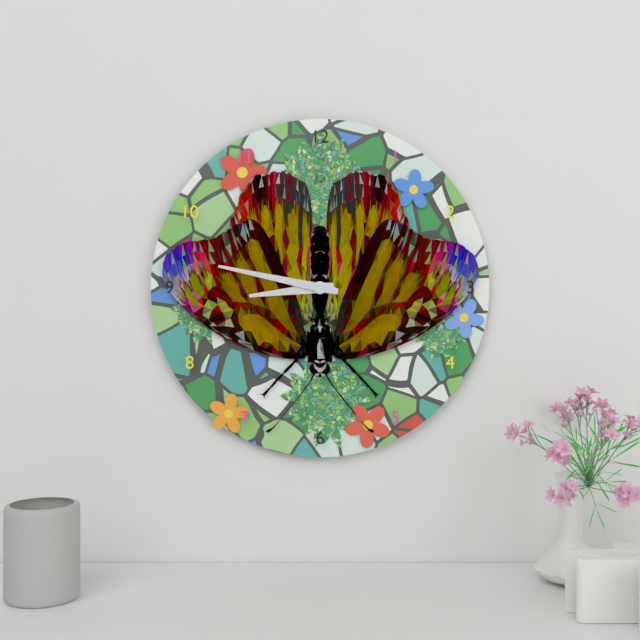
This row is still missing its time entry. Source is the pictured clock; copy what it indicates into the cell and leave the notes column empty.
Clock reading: 8:47
